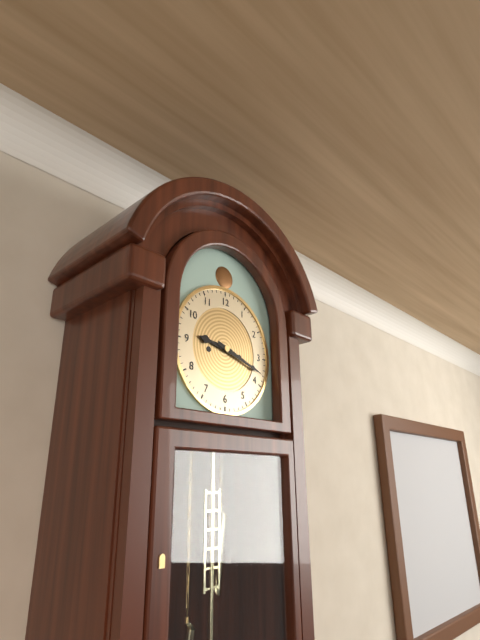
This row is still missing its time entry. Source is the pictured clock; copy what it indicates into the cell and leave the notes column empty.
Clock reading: 9:18
